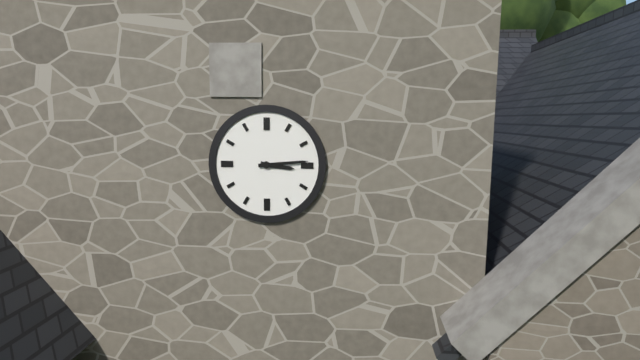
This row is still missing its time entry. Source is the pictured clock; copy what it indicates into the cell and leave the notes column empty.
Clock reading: 3:14
